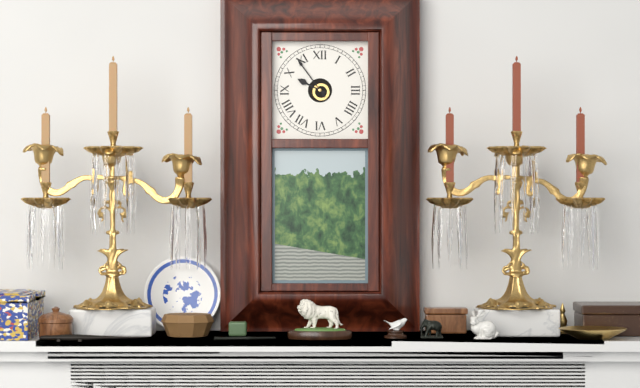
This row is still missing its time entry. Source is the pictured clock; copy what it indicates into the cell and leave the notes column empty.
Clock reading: 9:54
